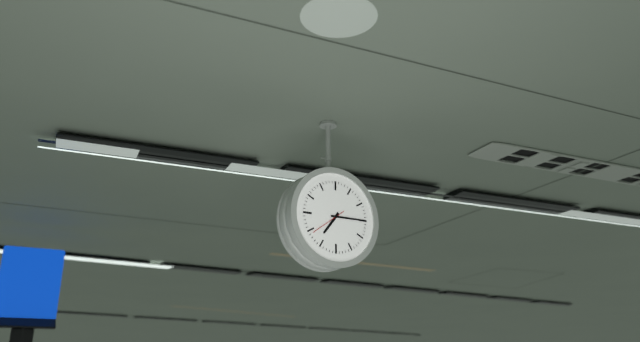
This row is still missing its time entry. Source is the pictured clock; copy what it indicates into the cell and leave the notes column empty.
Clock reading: 7:15
